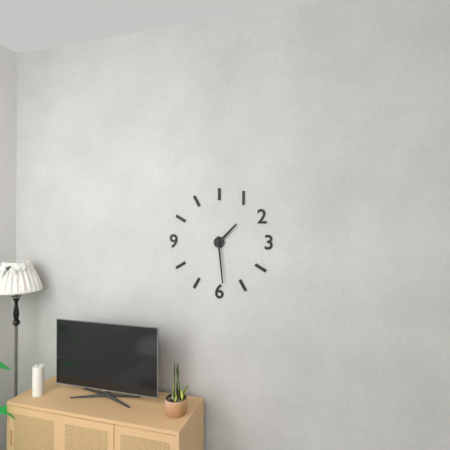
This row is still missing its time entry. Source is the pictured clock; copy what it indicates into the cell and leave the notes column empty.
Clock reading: 1:29
